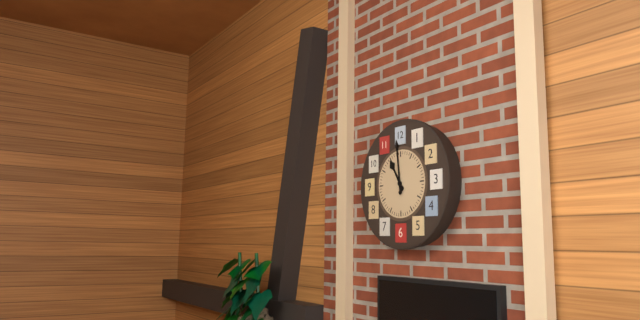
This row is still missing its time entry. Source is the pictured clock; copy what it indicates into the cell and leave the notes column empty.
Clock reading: 10:59
